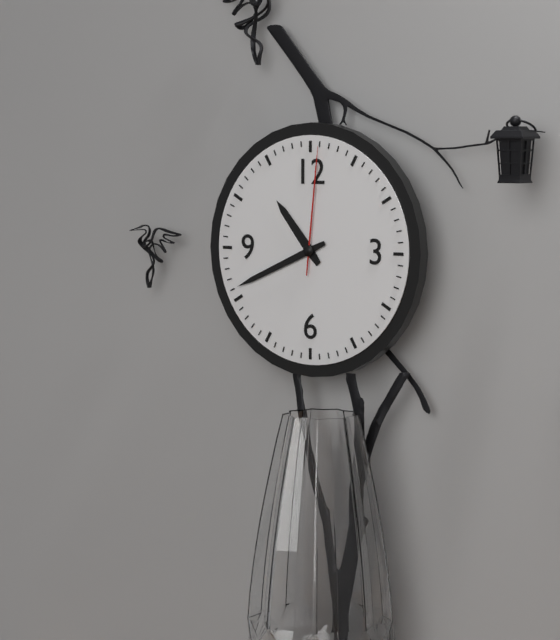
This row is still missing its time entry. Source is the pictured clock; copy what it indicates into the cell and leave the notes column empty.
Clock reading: 10:41:01
